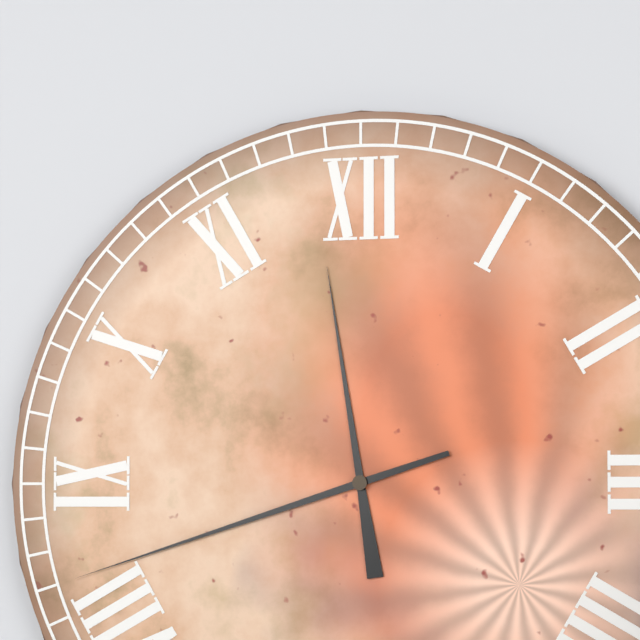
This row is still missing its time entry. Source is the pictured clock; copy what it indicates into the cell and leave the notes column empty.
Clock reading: 11:42
